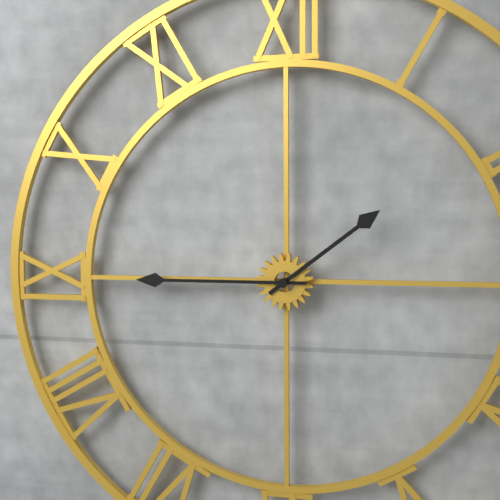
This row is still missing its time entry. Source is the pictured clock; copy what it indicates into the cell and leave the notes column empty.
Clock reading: 1:45
